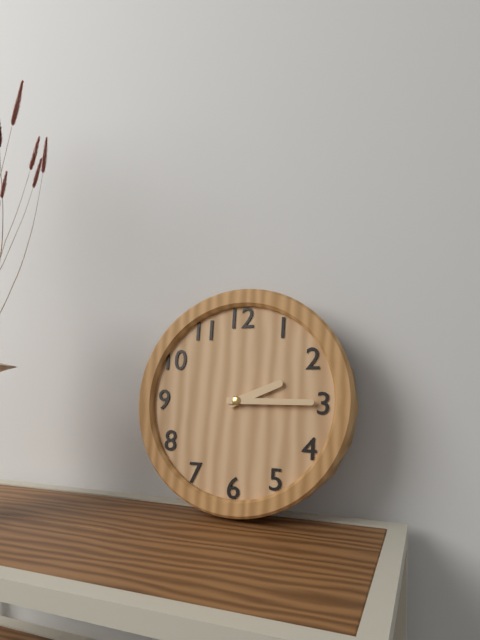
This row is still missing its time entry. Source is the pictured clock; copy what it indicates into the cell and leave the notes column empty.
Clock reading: 2:15
